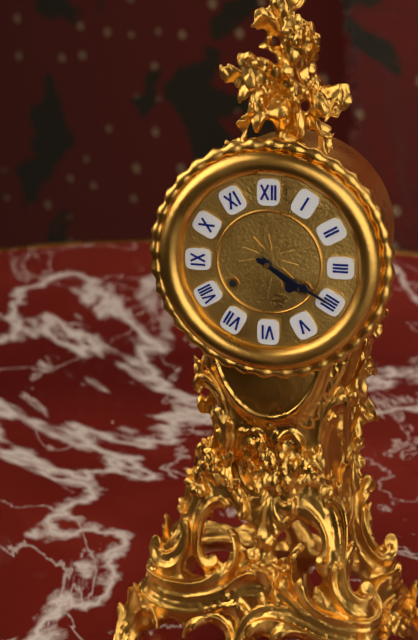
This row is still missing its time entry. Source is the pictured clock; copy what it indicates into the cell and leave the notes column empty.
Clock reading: 4:20
